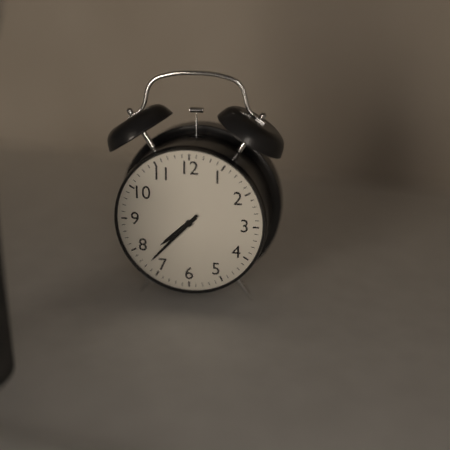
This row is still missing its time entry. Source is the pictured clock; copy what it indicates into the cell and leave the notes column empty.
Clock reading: 7:37
